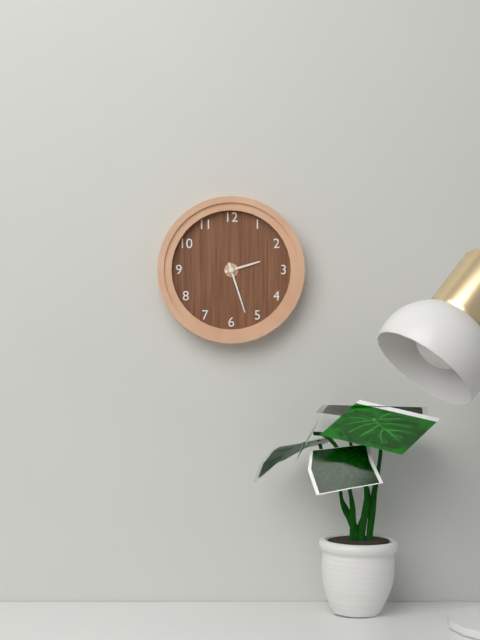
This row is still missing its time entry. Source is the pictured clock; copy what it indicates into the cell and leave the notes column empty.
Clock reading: 2:27
